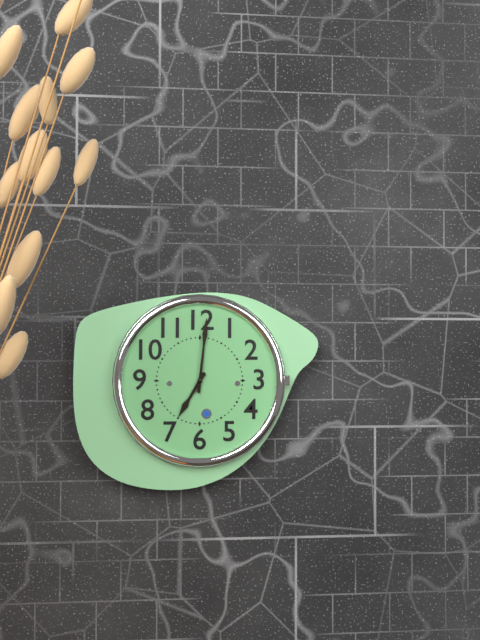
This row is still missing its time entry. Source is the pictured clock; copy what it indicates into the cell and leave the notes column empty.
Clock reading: 7:01
